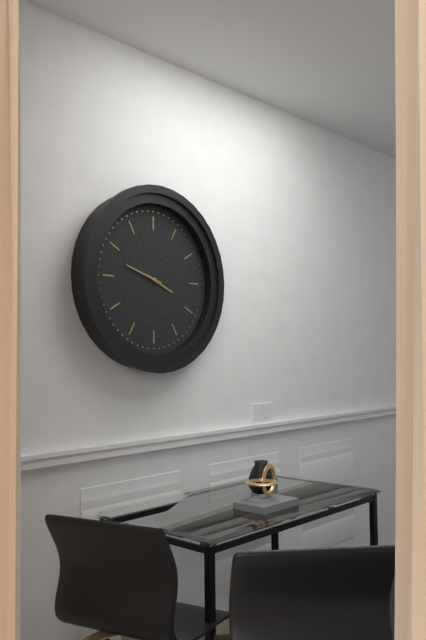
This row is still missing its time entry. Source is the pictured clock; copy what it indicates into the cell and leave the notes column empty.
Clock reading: 3:48
